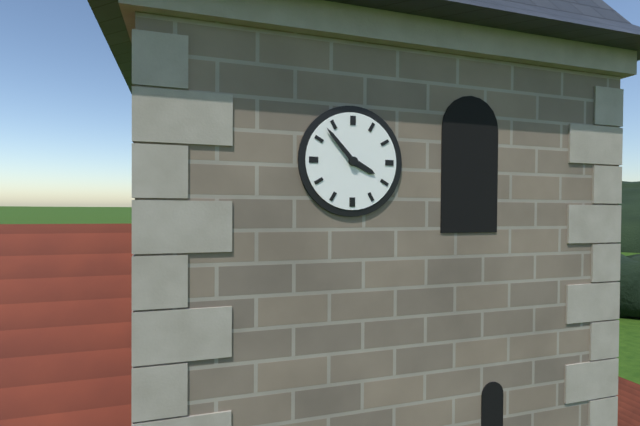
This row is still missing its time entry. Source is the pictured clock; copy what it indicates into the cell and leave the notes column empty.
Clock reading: 3:53
